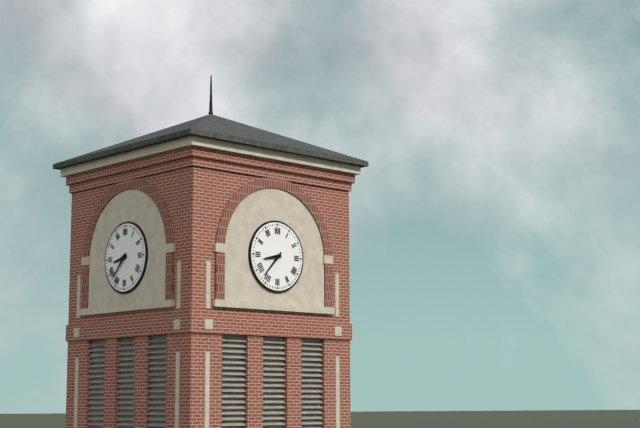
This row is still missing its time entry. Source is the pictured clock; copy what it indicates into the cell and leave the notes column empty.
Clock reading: 8:37
